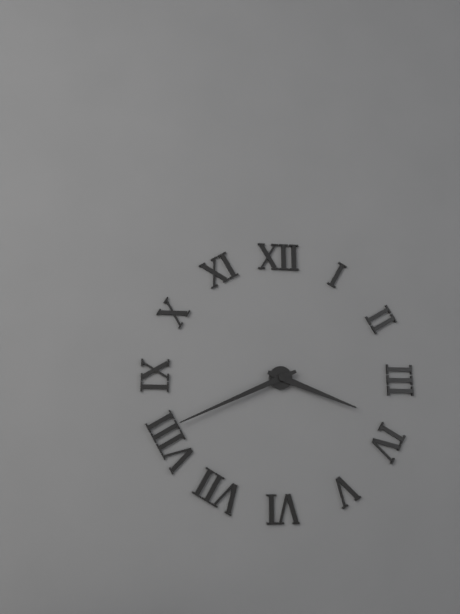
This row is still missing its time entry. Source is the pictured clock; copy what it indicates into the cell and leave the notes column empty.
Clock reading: 3:41
